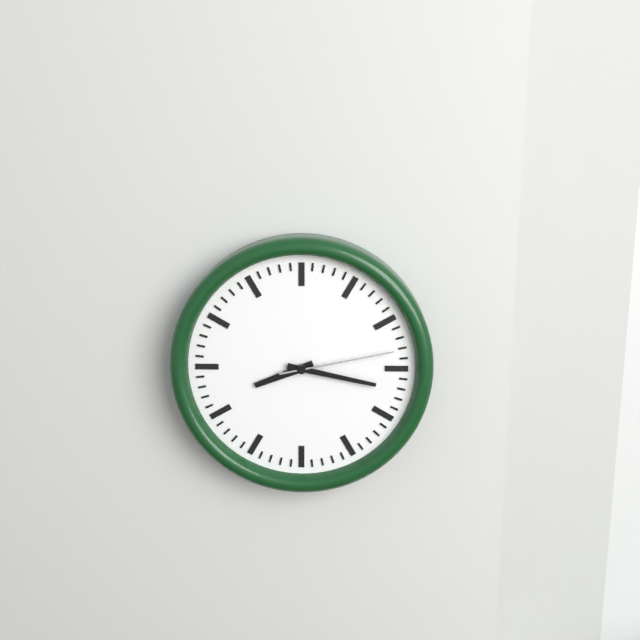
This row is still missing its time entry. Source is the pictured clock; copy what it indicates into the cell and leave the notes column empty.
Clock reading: 8:17:13
